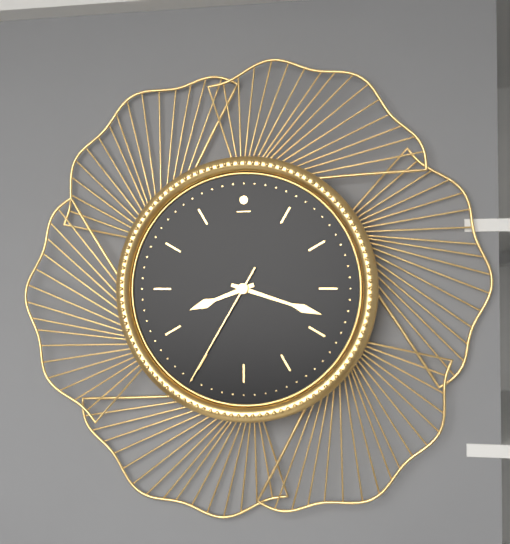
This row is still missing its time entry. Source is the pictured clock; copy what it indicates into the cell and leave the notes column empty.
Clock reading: 8:18:35
